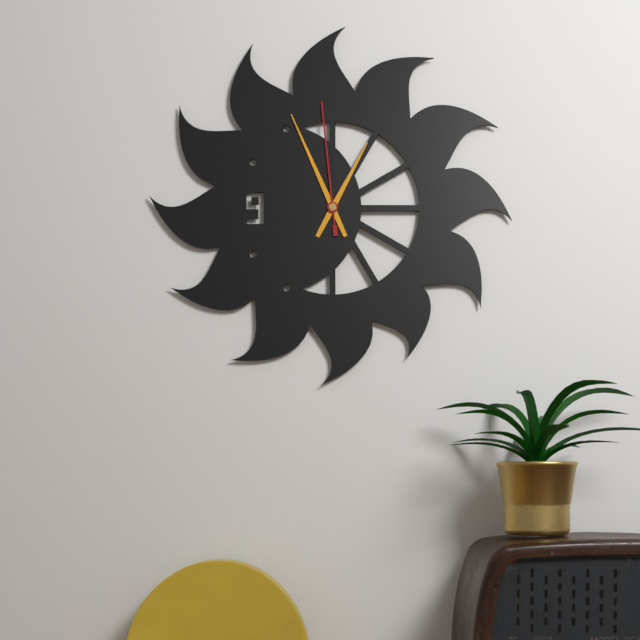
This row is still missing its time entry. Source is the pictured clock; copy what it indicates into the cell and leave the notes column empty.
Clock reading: 12:56:59
